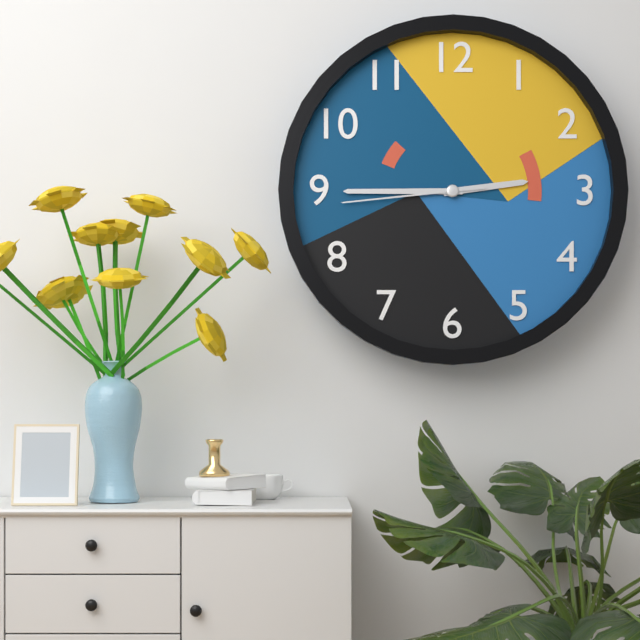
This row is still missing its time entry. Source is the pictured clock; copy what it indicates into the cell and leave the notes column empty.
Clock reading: 2:45:44
